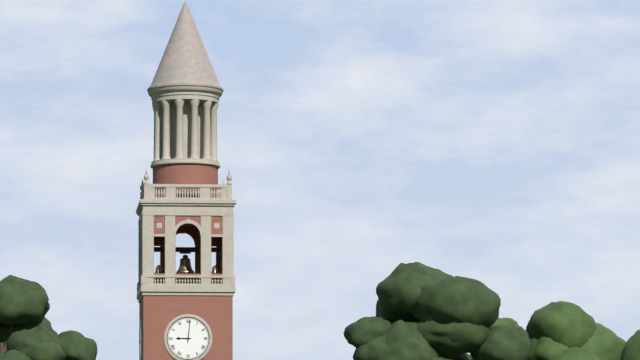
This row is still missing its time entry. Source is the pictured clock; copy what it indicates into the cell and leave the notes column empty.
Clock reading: 9:01
